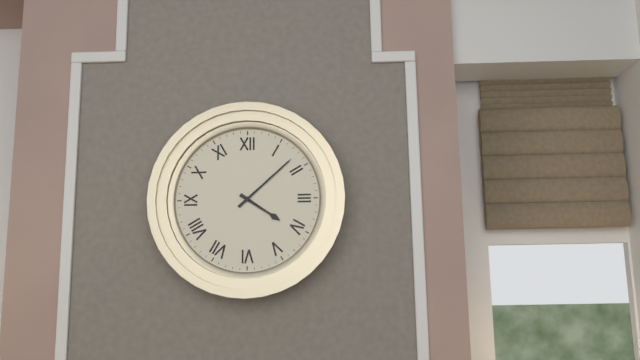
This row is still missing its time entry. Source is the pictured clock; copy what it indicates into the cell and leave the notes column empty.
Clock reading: 4:08
